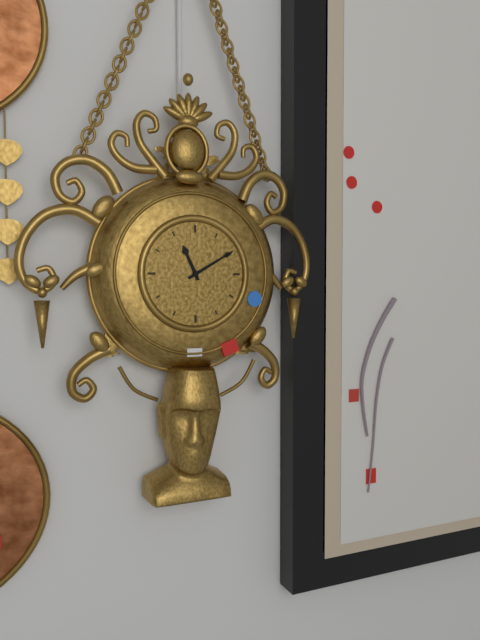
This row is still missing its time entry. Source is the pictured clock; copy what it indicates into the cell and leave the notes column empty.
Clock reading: 11:10
